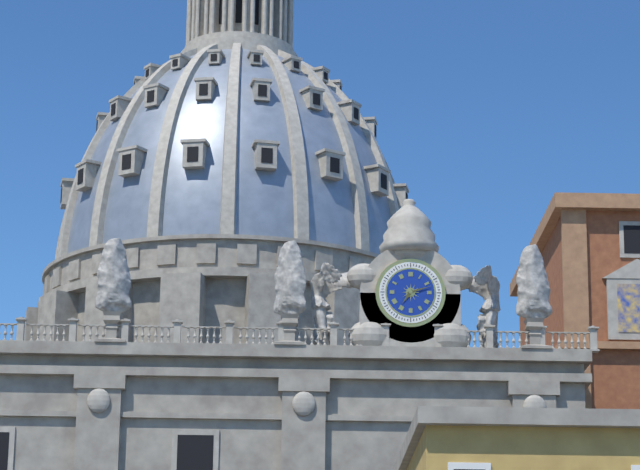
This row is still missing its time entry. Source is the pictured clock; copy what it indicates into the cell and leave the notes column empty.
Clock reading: 7:12
